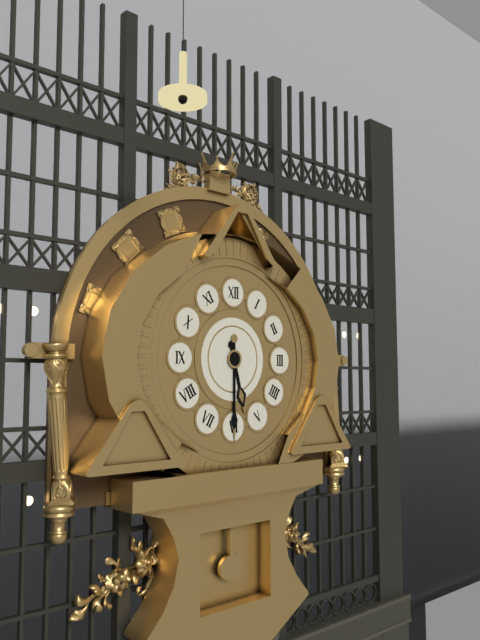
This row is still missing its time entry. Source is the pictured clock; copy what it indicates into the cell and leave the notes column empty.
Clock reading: 5:30
